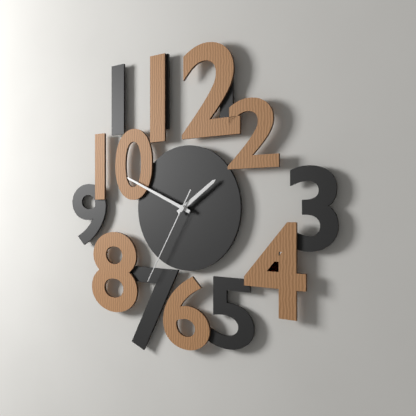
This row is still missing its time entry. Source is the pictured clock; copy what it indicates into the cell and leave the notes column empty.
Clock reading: 1:49:35
